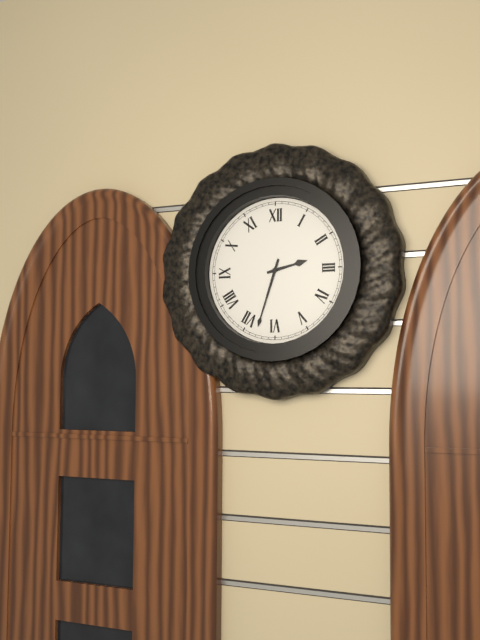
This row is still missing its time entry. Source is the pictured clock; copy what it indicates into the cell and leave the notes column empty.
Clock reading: 2:33
